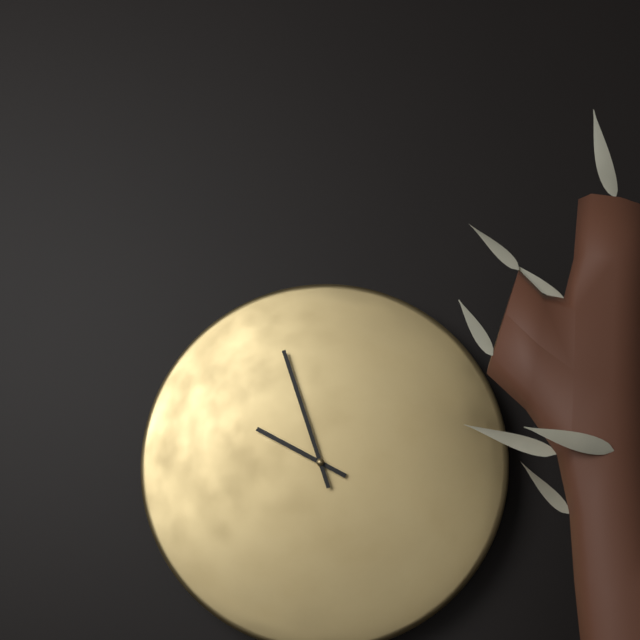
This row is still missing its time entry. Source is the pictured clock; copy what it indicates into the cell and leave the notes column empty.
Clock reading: 9:57
